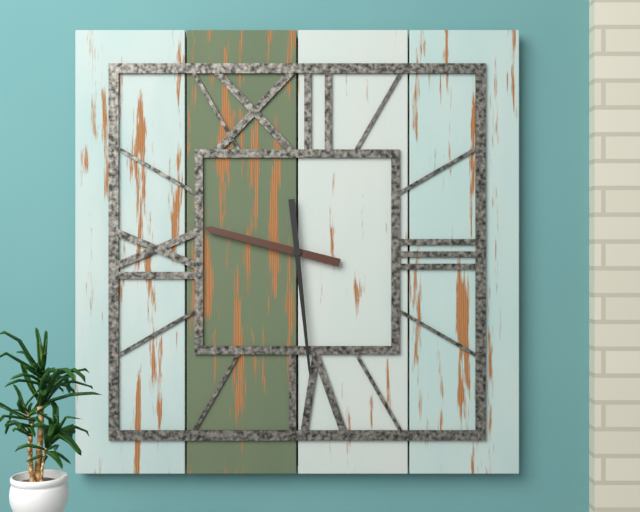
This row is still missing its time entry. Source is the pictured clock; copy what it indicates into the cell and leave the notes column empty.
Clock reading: 9:29
